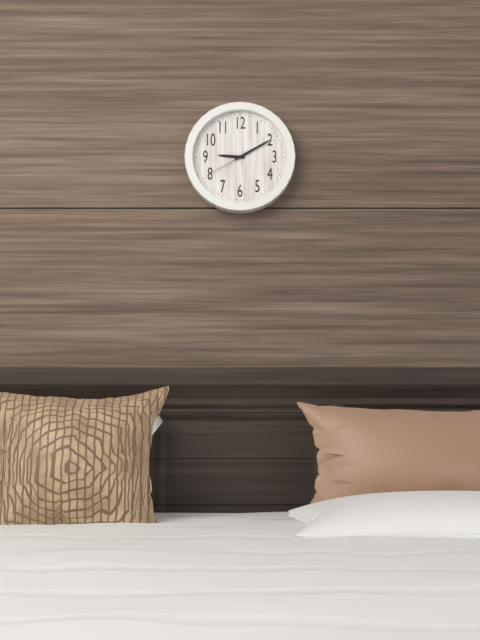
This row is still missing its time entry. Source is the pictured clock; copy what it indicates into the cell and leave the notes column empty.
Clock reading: 9:10
